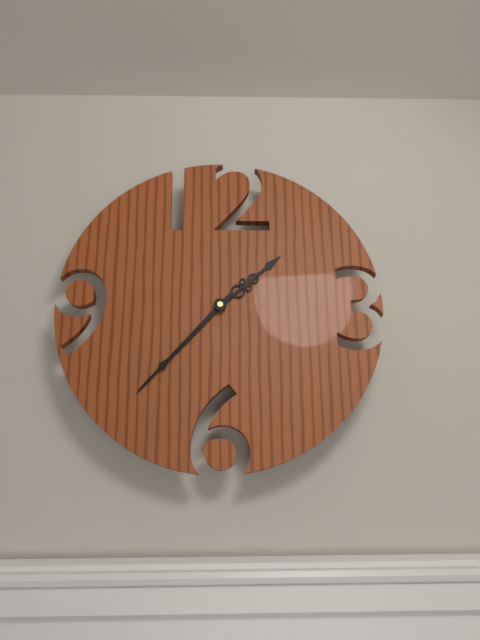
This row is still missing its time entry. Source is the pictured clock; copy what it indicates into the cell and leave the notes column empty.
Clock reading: 1:37
